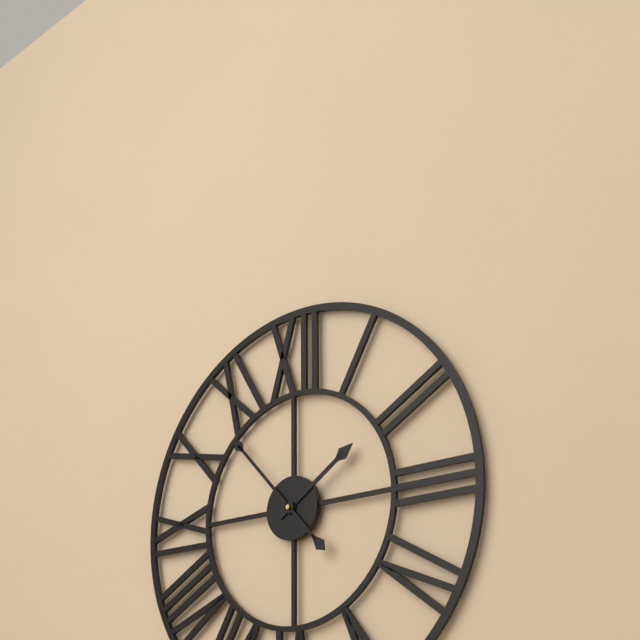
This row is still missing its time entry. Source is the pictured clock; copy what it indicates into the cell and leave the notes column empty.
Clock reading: 1:53
